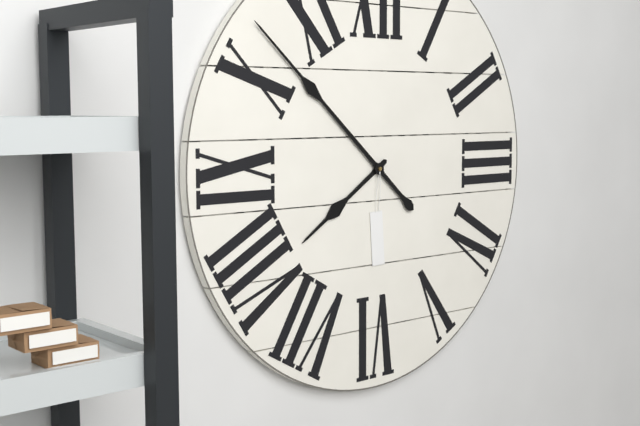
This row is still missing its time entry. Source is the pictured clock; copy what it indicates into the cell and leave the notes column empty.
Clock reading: 7:52
